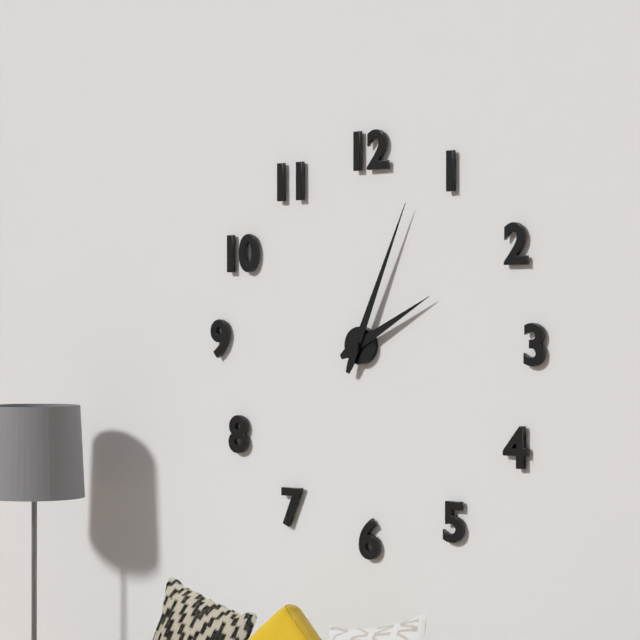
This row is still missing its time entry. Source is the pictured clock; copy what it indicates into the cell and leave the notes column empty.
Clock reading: 2:04
